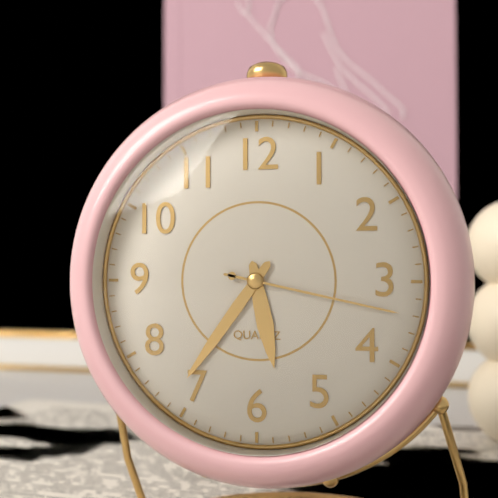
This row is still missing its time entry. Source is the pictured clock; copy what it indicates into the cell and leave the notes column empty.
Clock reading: 5:36:17
